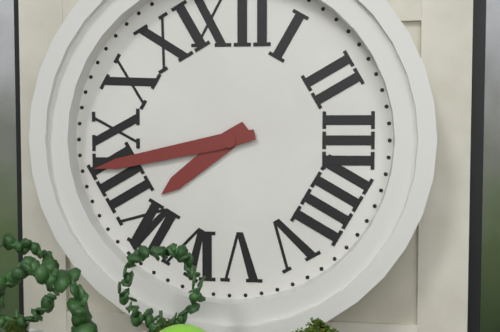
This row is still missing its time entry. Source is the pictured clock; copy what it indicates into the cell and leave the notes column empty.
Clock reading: 7:43
